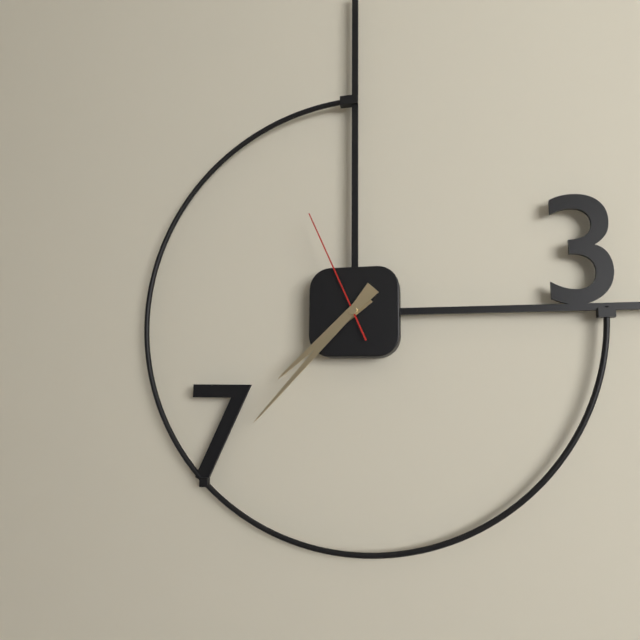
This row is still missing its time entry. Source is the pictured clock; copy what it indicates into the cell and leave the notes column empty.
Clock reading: 7:37:56
